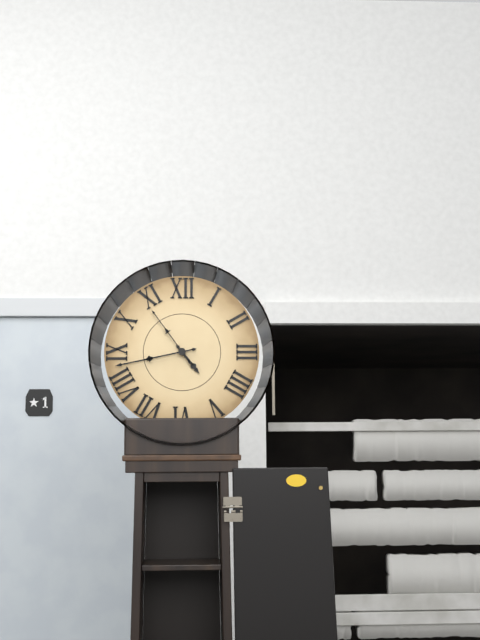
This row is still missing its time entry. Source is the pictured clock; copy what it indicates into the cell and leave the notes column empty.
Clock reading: 4:43:54
